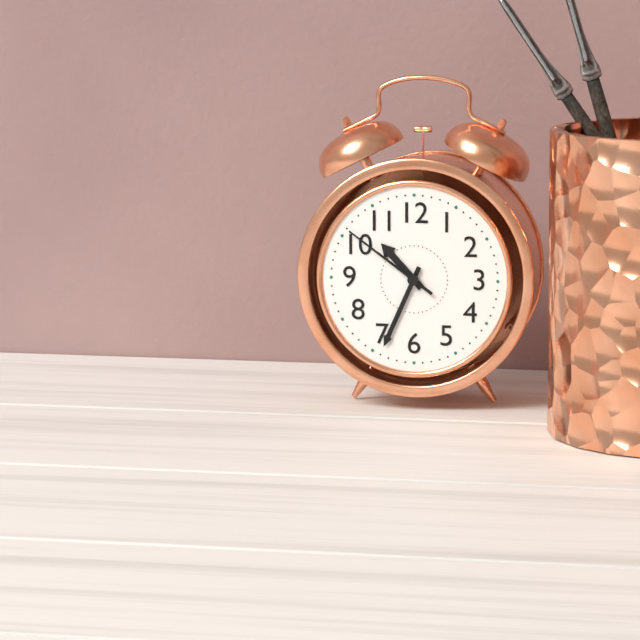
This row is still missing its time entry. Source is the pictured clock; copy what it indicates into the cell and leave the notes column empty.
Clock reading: 10:34:51
